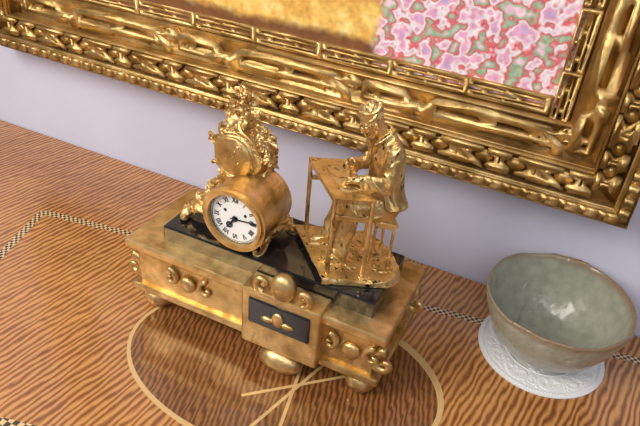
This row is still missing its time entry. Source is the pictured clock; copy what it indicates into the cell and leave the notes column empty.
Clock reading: 7:14
